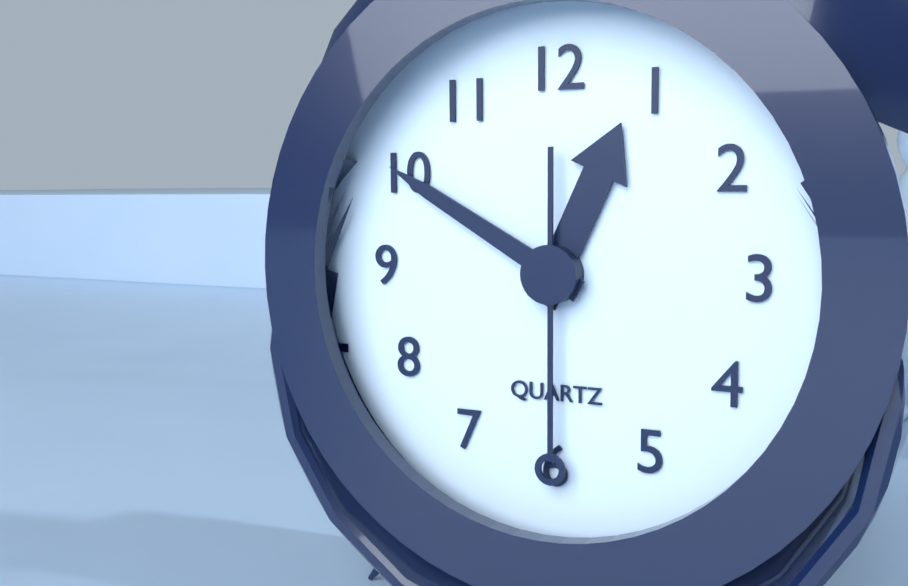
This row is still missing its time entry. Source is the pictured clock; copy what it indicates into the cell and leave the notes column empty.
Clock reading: 12:50:30
